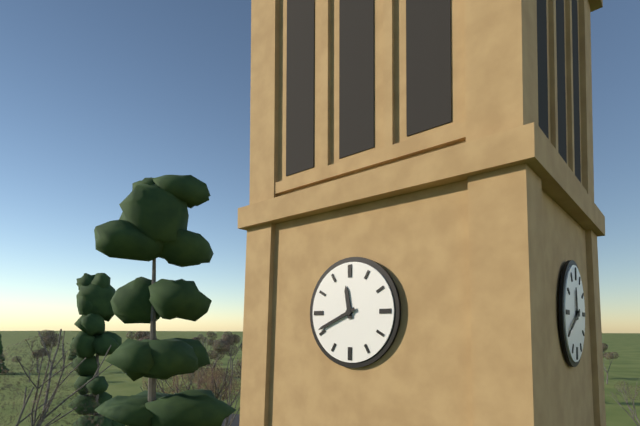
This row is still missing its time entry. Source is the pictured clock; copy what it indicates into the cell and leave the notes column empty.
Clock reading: 11:41
